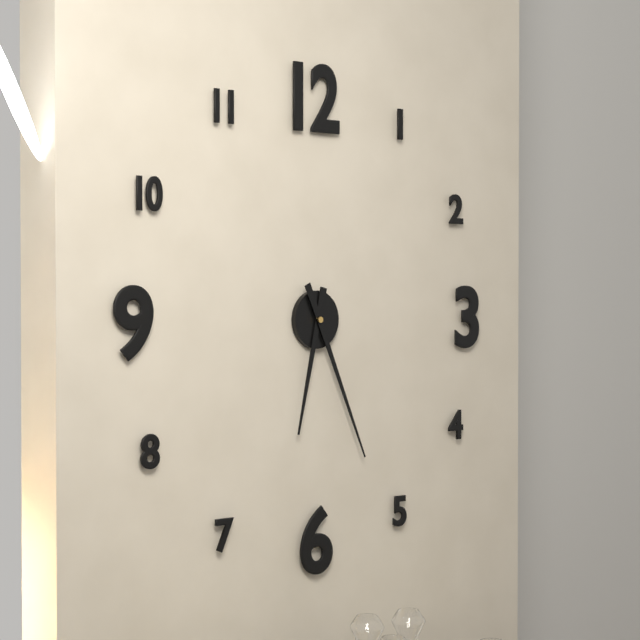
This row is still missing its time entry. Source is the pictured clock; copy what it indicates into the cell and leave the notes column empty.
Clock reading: 6:26
